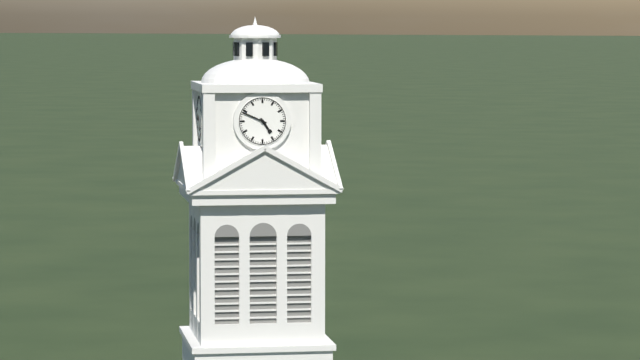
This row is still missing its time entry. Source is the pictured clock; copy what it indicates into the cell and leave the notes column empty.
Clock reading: 4:49
